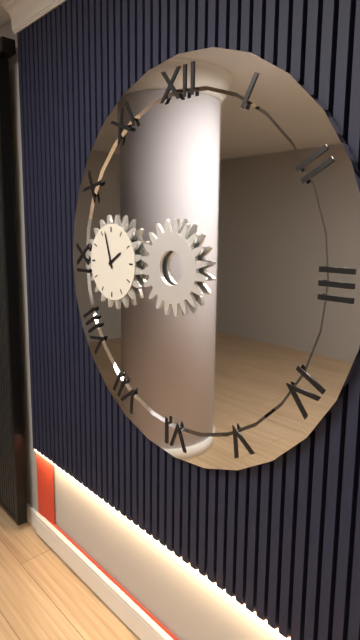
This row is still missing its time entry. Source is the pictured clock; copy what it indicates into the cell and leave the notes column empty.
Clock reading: 1:57
